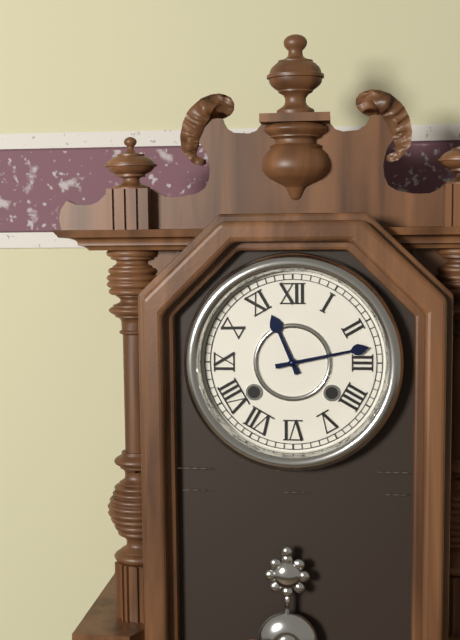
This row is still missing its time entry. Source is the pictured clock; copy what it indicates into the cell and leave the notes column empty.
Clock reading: 11:13
